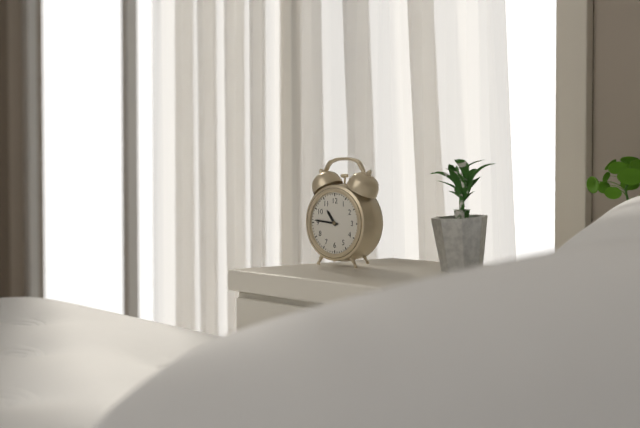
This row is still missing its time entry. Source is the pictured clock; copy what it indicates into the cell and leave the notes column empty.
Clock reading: 10:46
